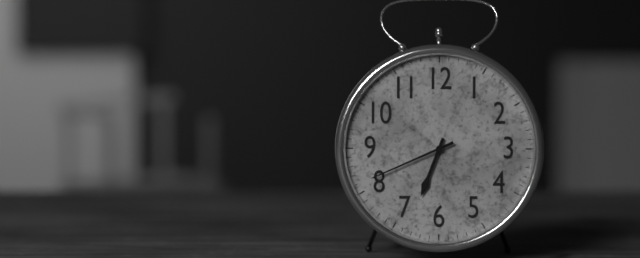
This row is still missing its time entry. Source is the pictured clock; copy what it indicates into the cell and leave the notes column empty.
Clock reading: 6:41
